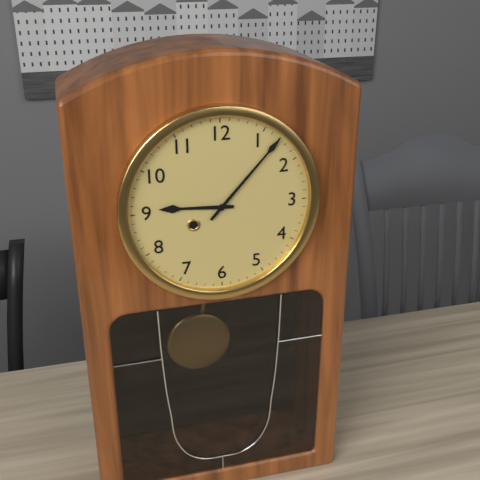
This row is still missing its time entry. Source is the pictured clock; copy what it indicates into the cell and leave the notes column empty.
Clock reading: 9:07
